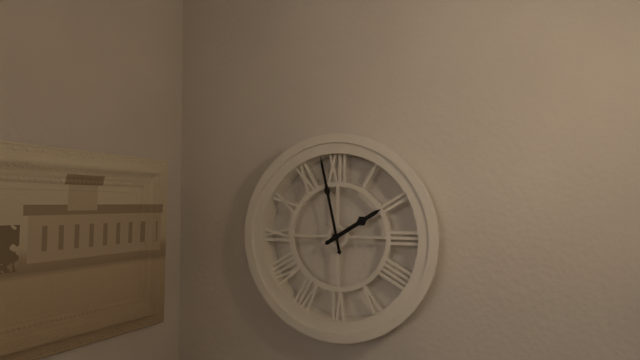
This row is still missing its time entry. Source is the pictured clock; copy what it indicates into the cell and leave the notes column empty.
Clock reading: 1:58
